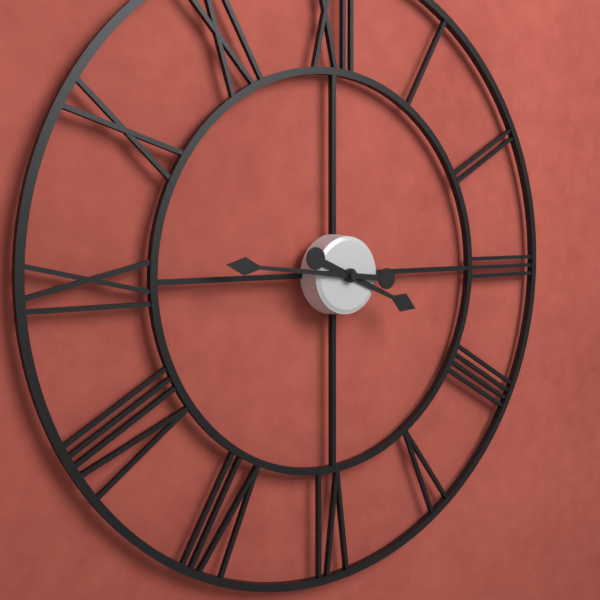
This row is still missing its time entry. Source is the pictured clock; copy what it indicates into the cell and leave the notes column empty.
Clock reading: 3:46
